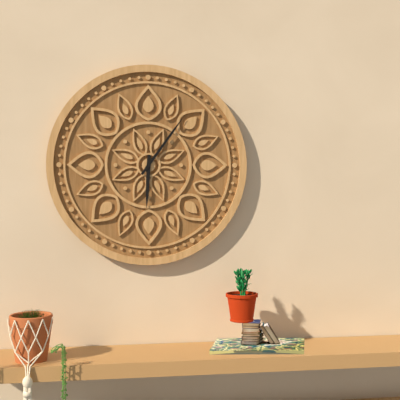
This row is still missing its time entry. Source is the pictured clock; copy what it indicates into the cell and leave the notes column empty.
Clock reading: 6:06
